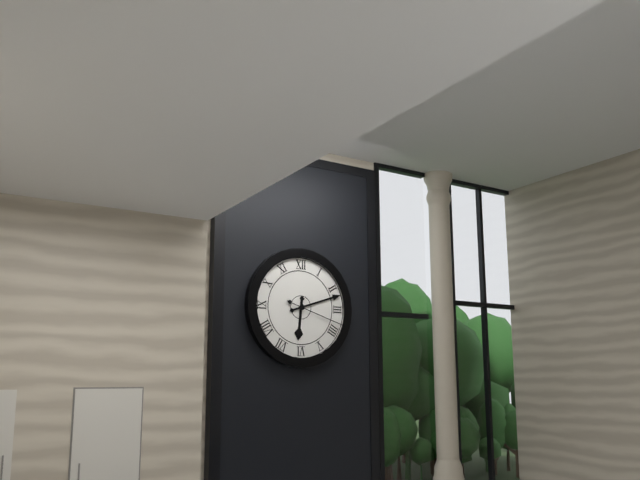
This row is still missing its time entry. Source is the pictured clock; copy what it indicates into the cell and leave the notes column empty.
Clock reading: 6:12:18
